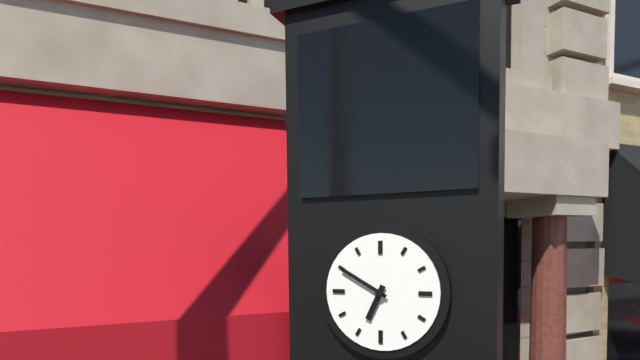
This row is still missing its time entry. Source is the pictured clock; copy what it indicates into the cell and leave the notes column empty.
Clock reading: 6:50
